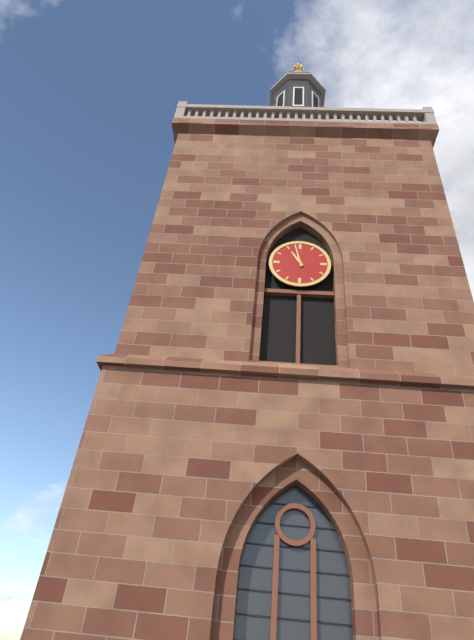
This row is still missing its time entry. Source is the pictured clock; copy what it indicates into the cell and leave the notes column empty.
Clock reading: 10:58
